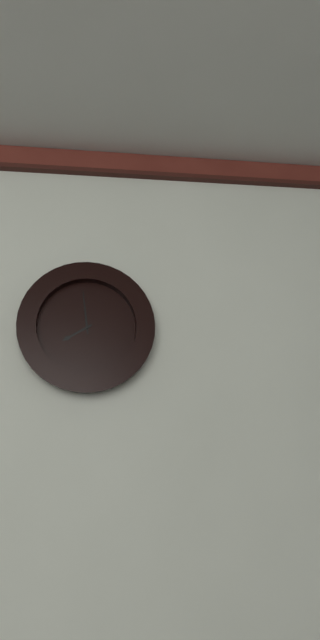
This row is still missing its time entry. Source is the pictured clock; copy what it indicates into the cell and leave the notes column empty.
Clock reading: 7:59
